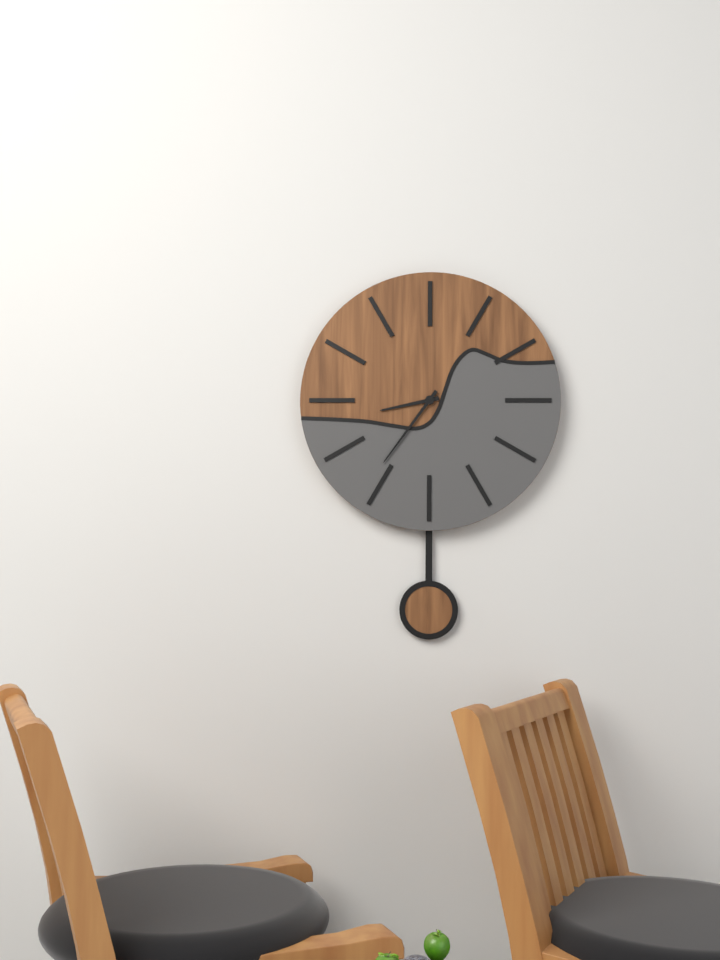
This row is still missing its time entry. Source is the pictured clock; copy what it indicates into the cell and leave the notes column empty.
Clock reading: 8:36
